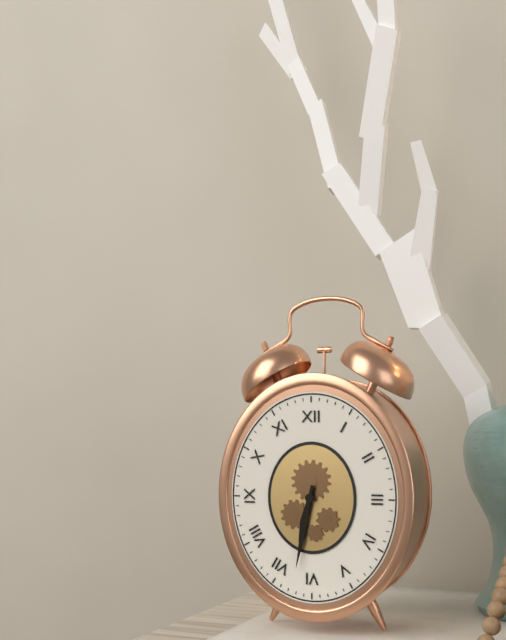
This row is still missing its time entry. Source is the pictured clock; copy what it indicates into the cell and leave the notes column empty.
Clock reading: 6:32
